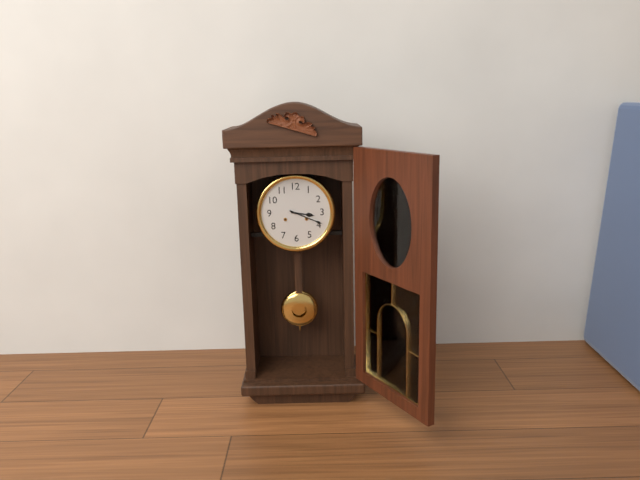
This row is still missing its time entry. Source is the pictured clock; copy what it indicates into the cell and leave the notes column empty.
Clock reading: 3:19
